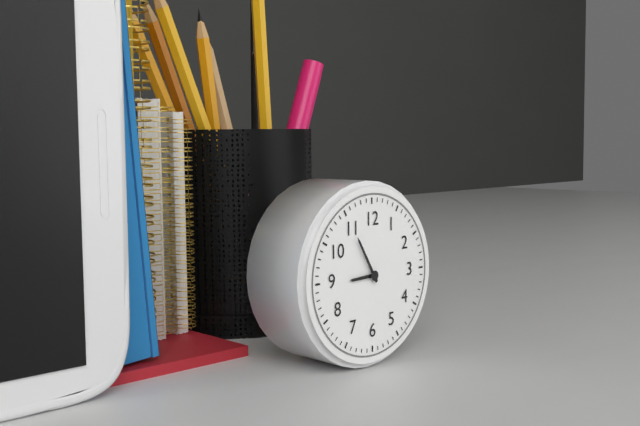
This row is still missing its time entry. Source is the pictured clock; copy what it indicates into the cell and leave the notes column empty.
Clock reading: 8:55
